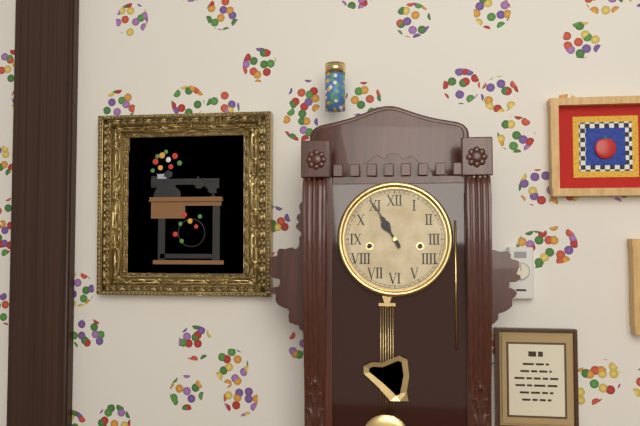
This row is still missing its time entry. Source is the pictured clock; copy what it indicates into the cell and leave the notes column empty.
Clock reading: 10:55
